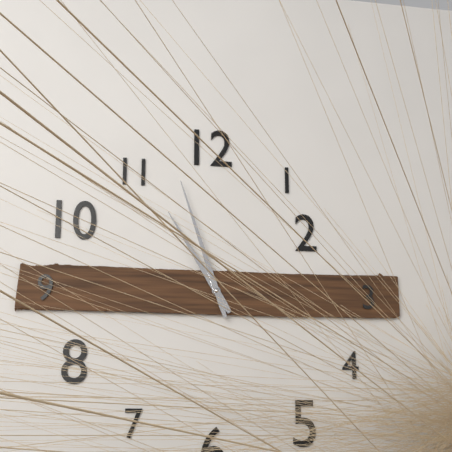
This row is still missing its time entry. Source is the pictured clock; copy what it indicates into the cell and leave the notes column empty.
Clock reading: 10:57
